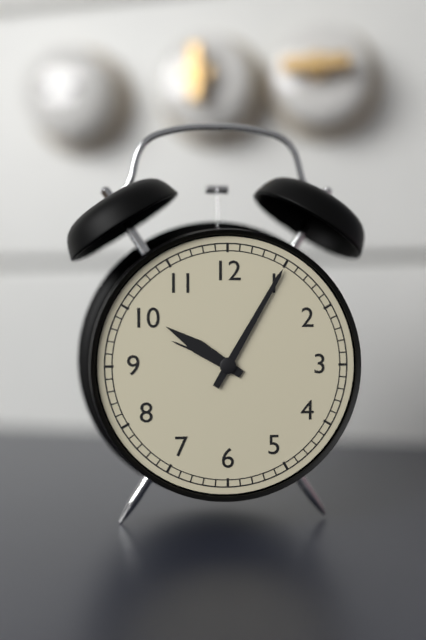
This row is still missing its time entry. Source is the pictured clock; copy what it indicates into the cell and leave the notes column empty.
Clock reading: 10:05
